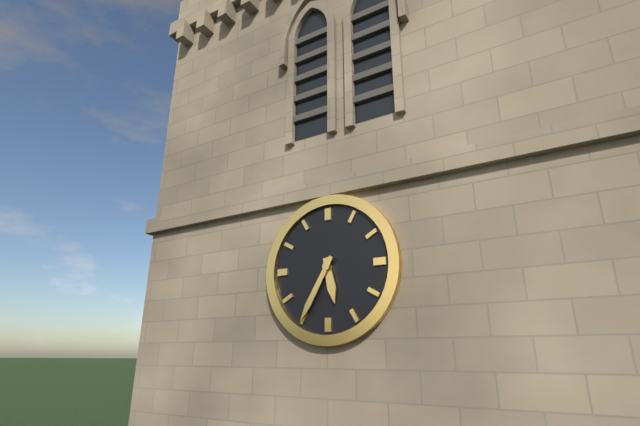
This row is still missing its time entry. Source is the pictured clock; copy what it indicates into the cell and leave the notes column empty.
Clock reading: 5:35
